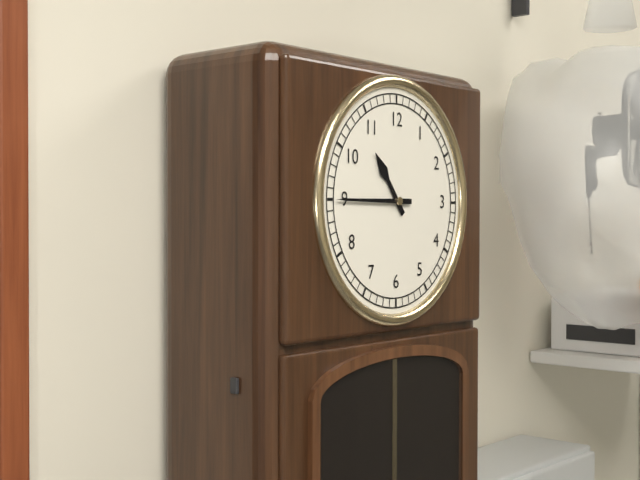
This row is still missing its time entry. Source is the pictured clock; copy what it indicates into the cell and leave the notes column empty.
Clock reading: 10:45
